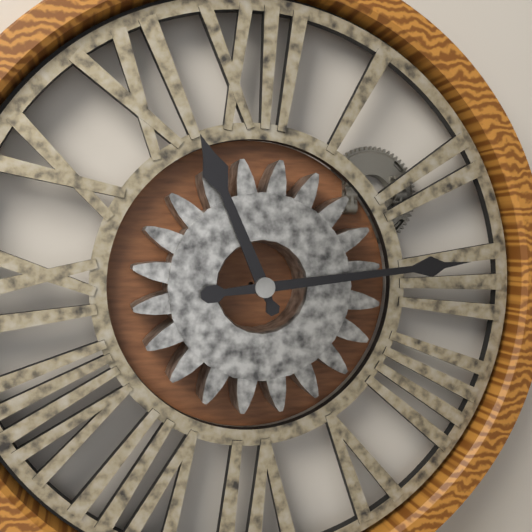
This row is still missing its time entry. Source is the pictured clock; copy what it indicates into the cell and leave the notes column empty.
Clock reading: 11:14
